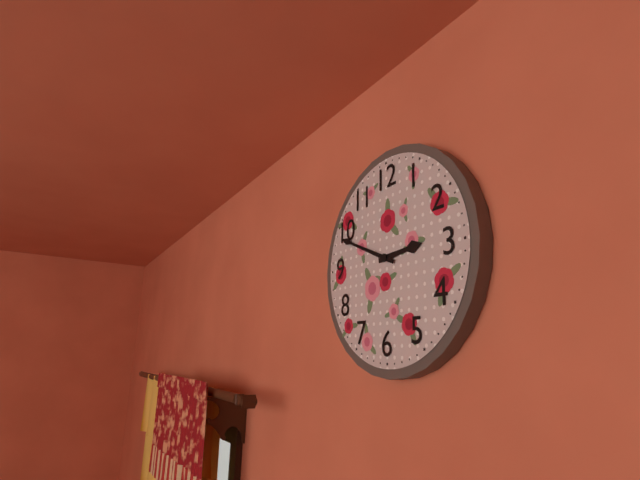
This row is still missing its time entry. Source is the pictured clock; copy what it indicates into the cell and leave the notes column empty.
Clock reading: 2:49
